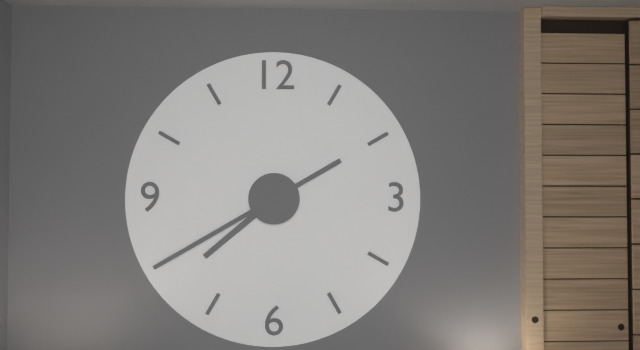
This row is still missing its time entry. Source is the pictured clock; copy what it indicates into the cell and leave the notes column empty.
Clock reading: 7:40
